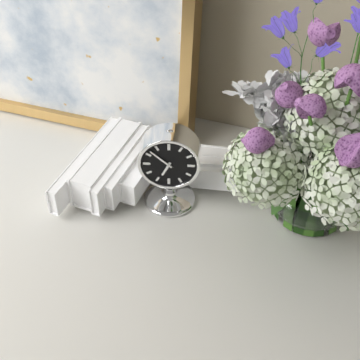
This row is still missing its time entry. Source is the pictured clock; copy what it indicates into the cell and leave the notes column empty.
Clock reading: 6:52
